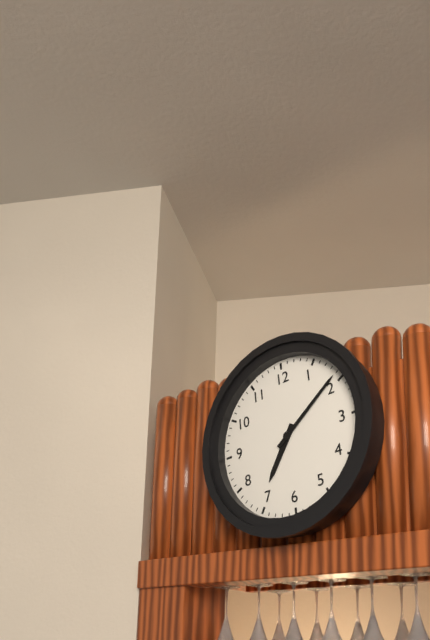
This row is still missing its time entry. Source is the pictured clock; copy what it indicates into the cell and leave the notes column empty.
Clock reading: 7:09
